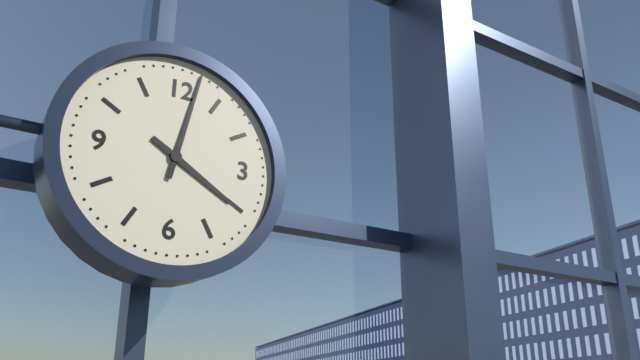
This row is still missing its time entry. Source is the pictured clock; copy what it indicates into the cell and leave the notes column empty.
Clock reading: 4:02
